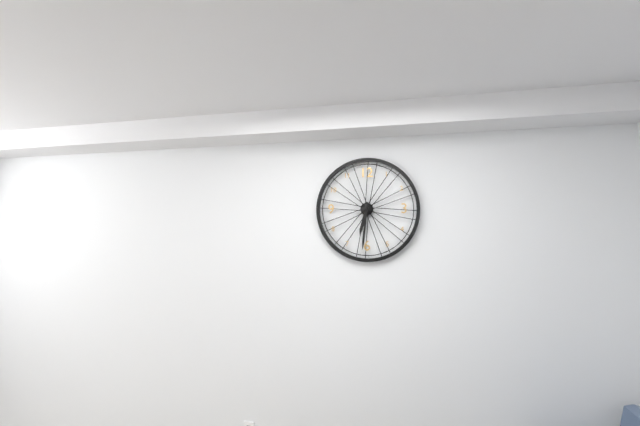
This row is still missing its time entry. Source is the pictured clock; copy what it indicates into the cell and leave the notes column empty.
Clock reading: 6:31
